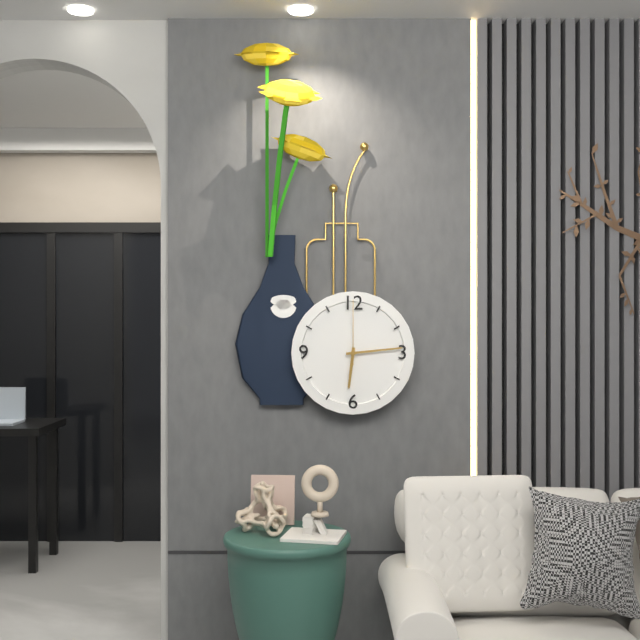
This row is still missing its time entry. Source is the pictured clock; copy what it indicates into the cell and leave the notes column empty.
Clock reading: 6:14:00
